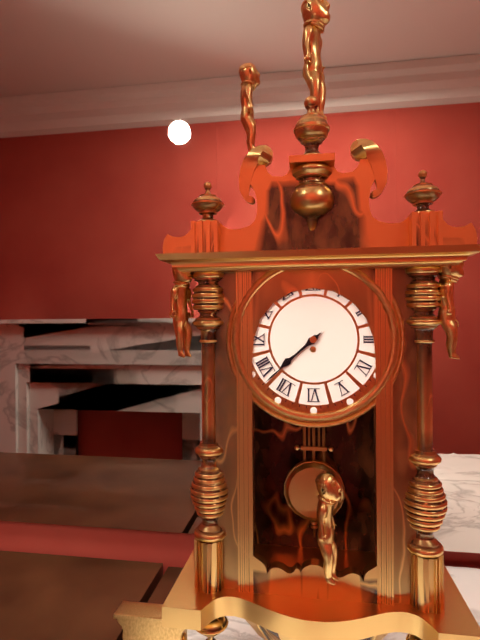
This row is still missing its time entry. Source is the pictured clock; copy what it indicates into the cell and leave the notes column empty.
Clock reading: 7:38
